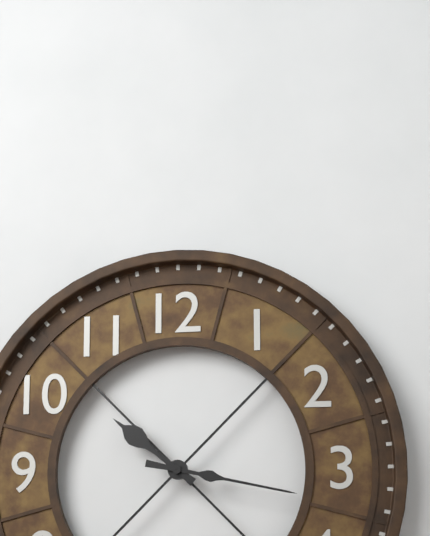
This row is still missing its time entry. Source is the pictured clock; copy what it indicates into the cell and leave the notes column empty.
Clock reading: 10:17
